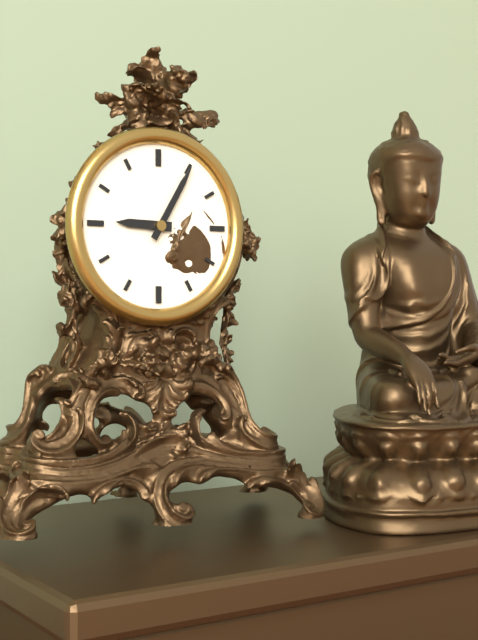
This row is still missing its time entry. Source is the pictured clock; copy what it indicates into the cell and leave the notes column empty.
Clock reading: 9:05
